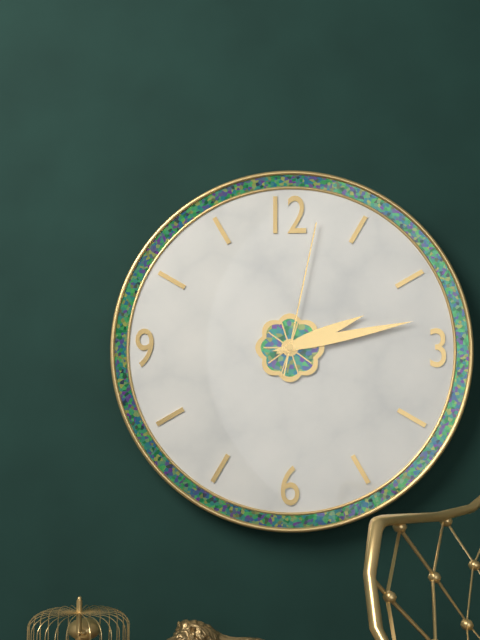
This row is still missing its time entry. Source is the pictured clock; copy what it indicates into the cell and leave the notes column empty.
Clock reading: 2:13:02
